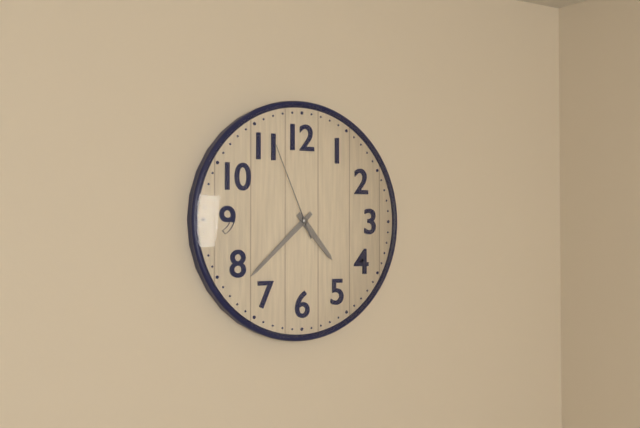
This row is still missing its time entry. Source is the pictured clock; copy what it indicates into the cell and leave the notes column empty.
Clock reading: 4:38:56
